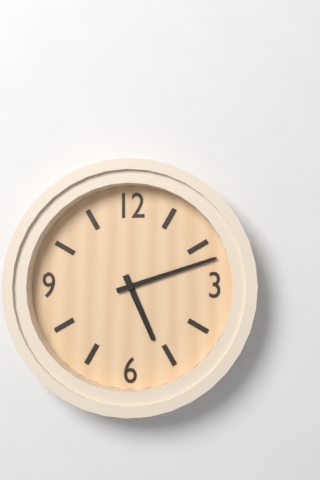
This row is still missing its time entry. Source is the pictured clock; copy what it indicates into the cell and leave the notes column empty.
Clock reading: 5:12
